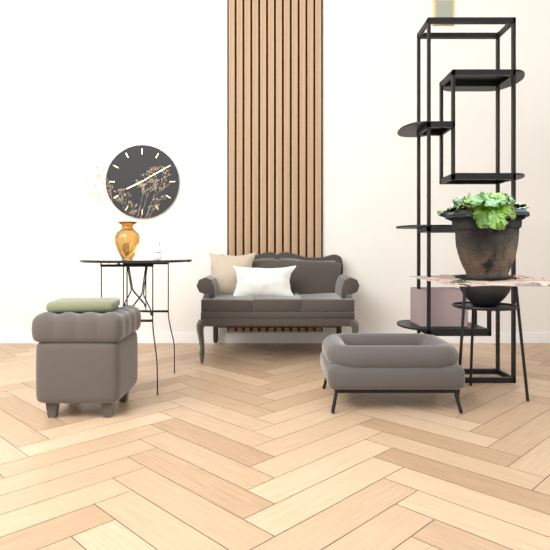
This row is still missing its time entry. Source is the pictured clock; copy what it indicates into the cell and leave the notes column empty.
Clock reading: 8:10
